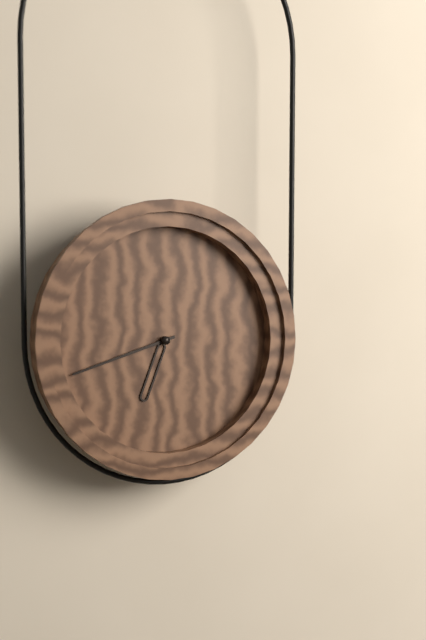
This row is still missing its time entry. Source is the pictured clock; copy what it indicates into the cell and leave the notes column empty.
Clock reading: 6:42
